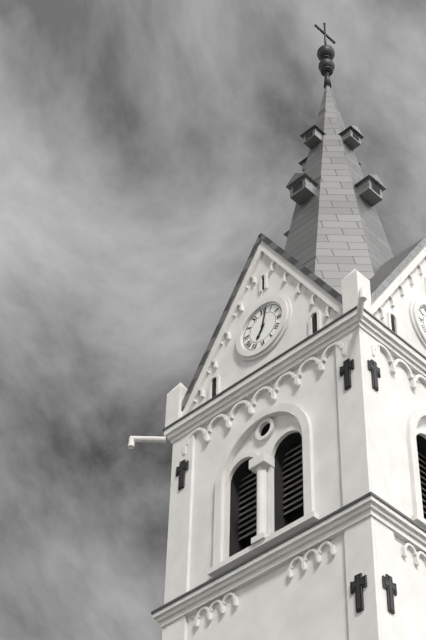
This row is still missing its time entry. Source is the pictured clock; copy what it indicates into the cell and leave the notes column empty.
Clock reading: 7:02
